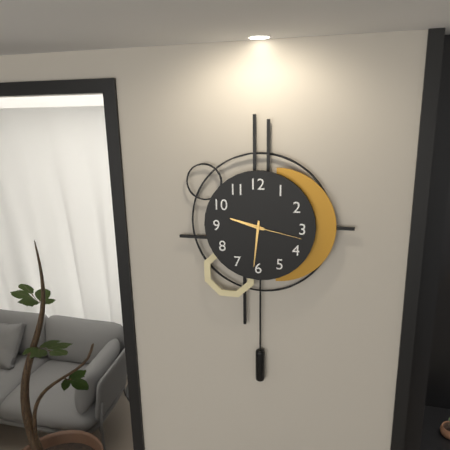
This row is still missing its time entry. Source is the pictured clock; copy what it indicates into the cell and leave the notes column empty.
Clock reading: 9:31:17
